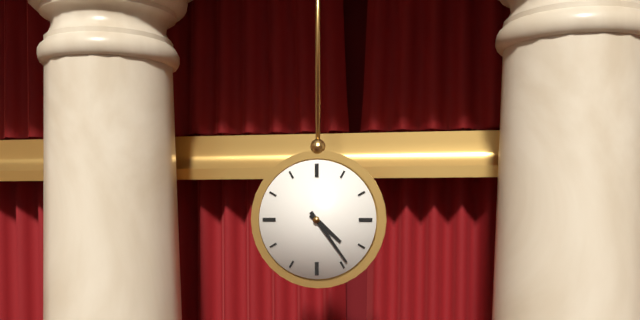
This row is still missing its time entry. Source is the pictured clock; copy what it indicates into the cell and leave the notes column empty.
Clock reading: 4:24
